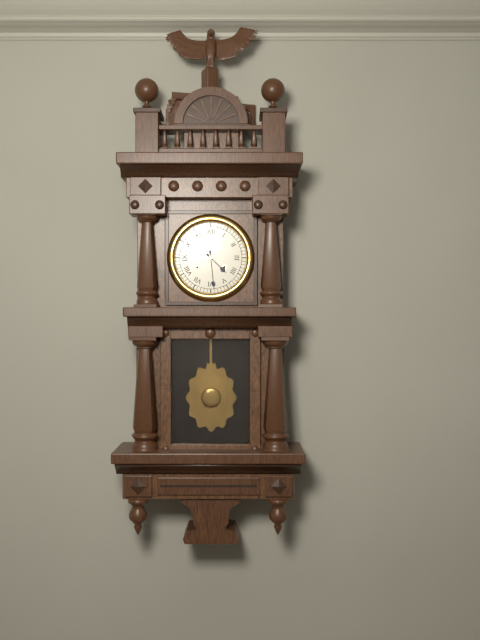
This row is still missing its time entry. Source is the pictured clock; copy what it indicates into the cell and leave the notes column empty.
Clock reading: 4:29
